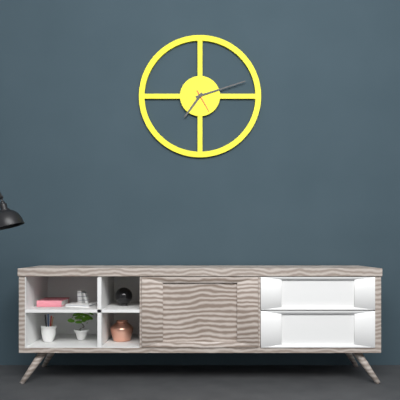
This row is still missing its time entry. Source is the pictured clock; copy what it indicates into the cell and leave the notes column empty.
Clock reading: 7:12
